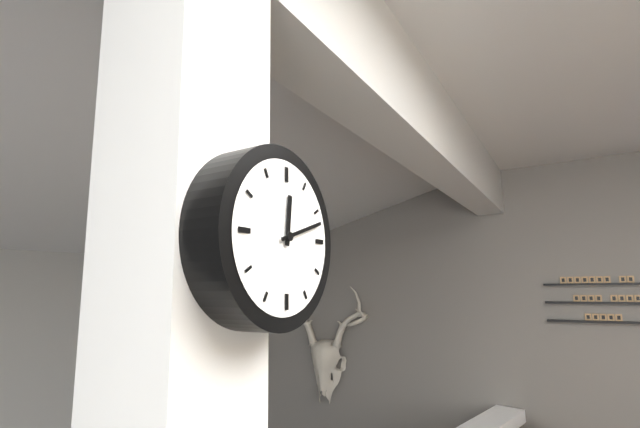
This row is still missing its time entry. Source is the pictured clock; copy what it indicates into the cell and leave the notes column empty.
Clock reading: 12:12
